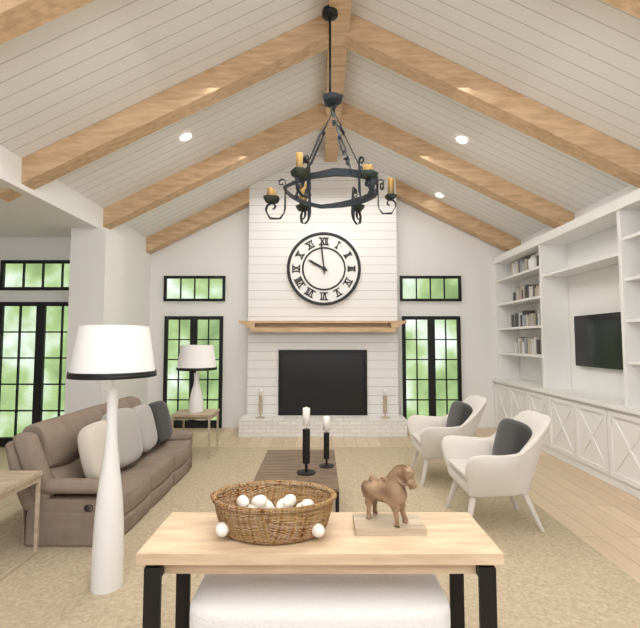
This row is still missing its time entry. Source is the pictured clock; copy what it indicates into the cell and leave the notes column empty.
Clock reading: 9:59
